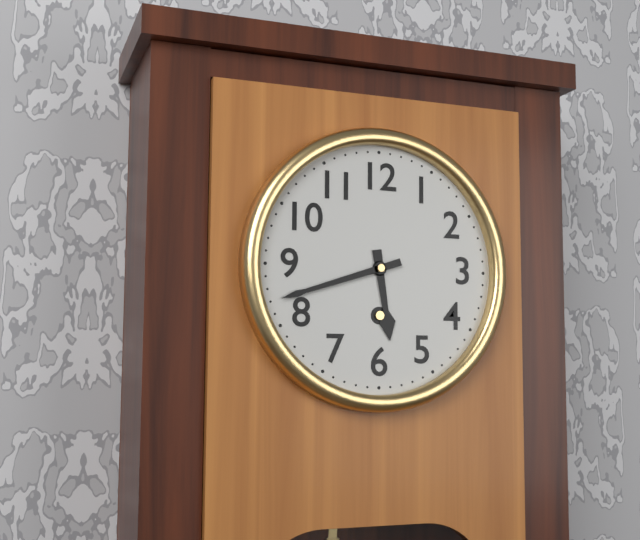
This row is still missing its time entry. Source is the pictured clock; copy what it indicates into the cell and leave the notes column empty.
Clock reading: 5:42
